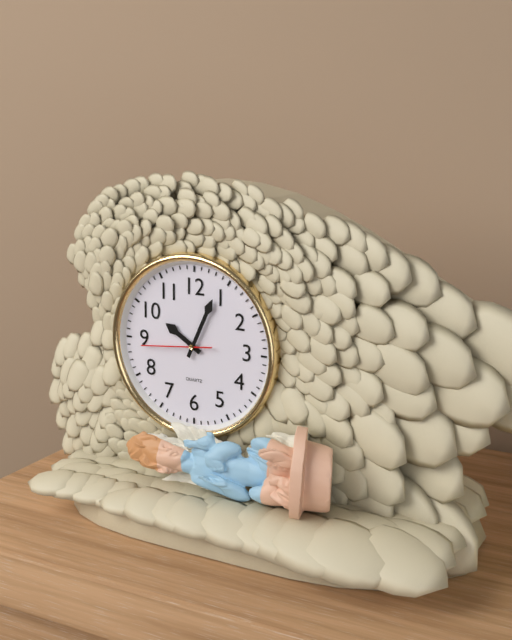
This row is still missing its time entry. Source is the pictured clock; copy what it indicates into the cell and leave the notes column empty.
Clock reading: 10:04:44
